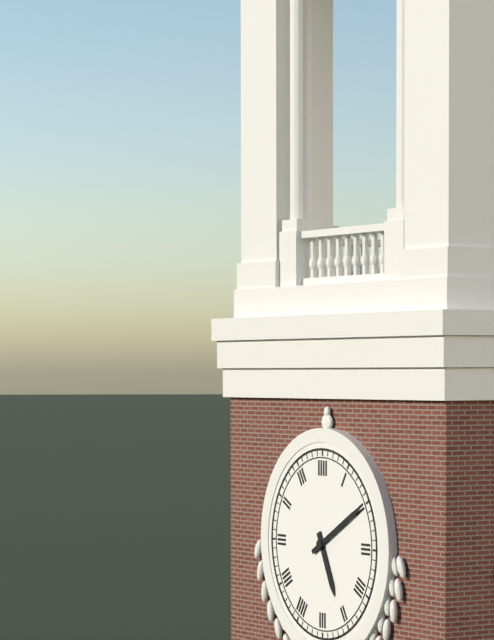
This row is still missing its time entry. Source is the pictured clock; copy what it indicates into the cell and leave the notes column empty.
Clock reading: 5:10
